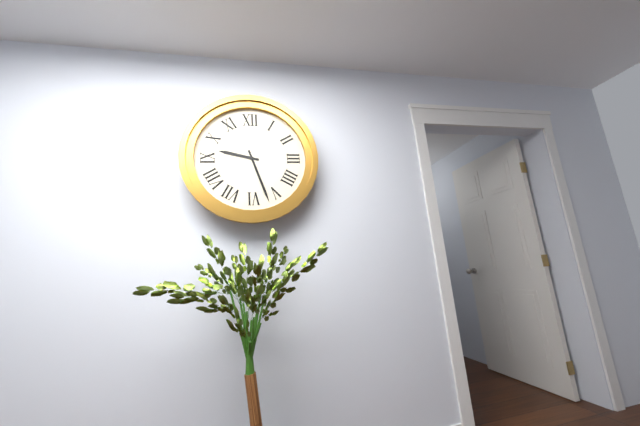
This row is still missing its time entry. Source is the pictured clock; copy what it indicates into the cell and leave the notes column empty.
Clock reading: 9:27
